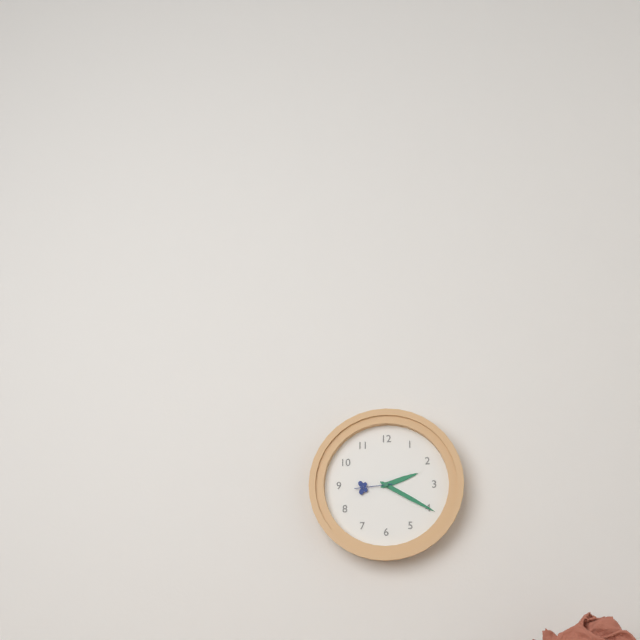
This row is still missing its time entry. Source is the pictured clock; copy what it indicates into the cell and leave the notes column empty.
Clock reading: 2:20
